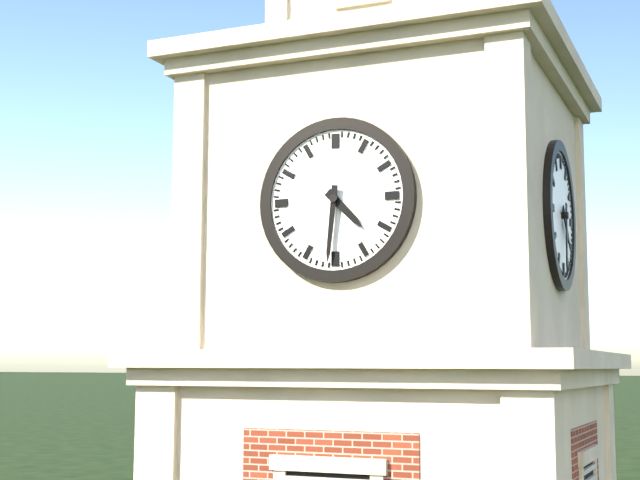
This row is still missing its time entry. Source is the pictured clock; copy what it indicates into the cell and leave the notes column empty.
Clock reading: 4:31
